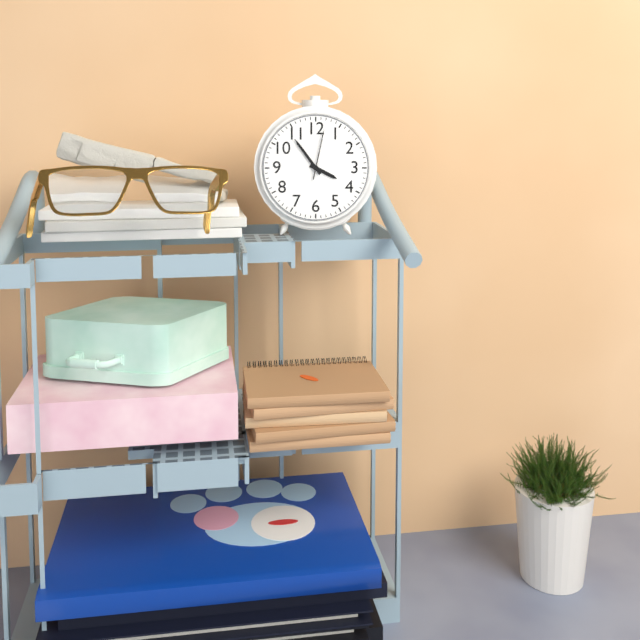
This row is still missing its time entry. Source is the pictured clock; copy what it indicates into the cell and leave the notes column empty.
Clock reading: 3:54:02
